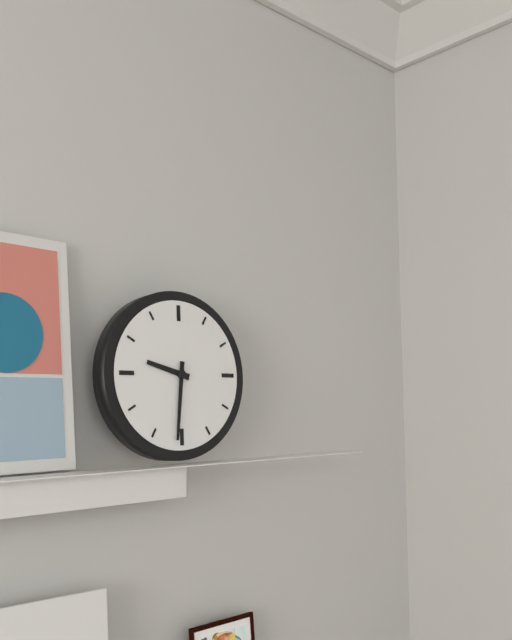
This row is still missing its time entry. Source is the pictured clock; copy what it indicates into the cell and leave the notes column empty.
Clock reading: 9:31
